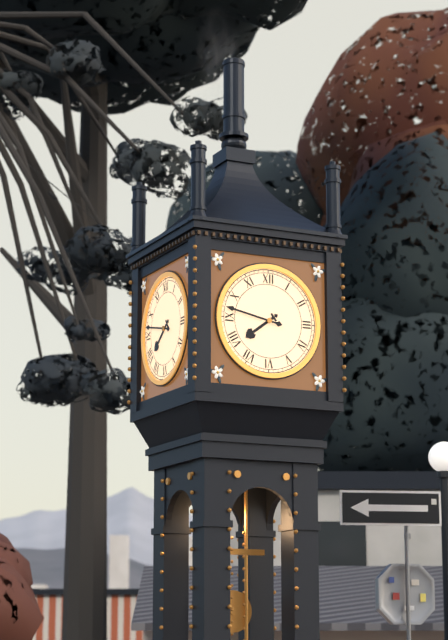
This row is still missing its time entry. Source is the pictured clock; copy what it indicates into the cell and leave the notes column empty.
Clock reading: 7:47
